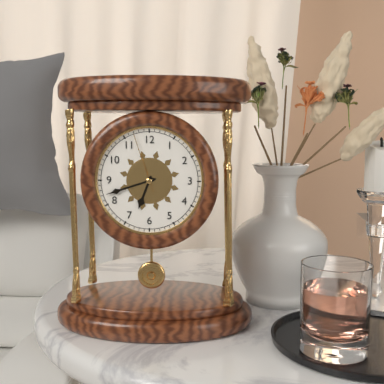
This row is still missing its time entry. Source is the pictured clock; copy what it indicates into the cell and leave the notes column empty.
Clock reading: 6:42:57
